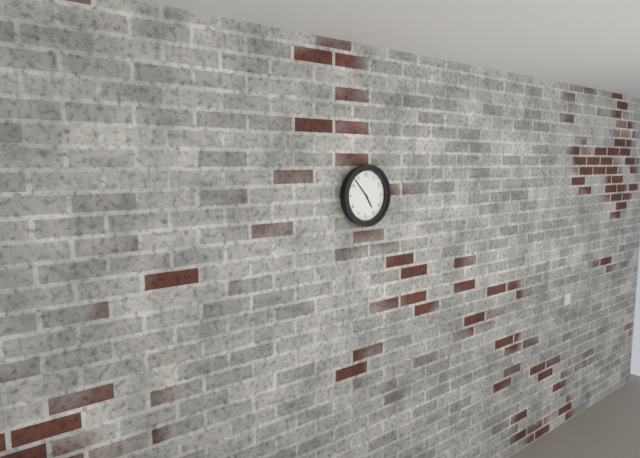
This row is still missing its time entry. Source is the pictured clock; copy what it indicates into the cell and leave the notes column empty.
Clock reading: 4:53
